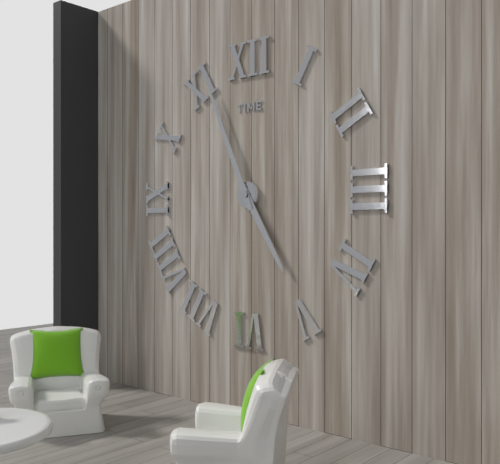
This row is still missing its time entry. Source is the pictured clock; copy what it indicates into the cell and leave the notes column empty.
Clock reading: 4:56
